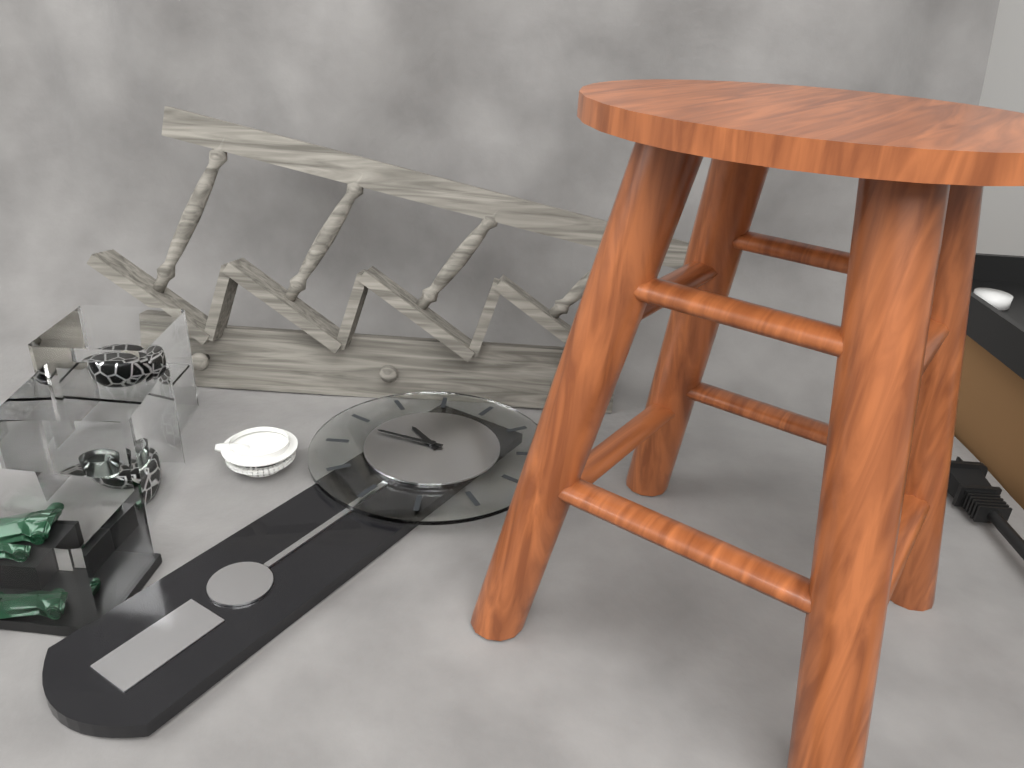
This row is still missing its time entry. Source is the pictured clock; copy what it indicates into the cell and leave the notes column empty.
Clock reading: 9:43
